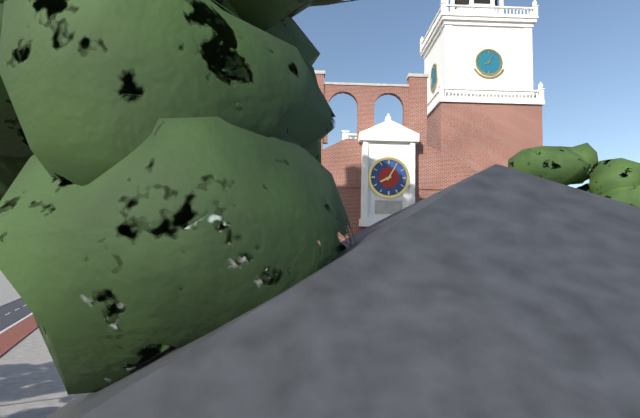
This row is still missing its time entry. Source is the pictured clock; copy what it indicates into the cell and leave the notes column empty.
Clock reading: 8:05
